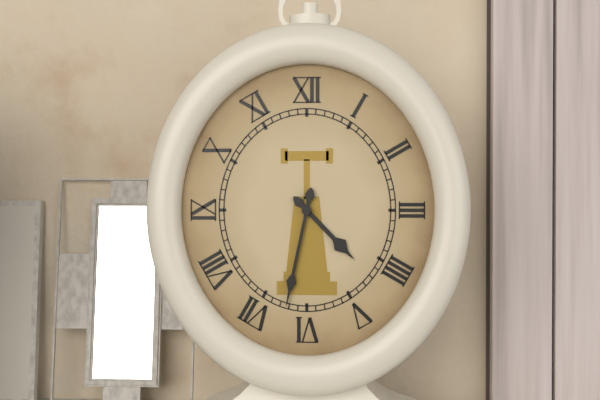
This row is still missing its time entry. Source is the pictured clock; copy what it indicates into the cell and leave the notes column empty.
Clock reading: 4:32
